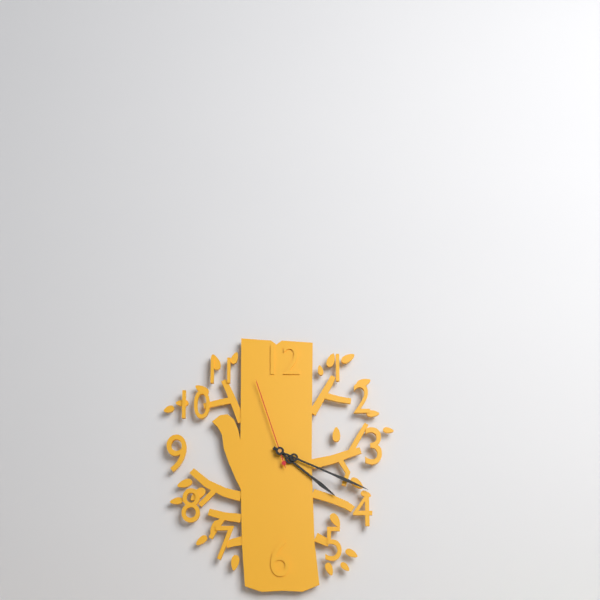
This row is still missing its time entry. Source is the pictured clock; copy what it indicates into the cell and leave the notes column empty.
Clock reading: 4:19:57
